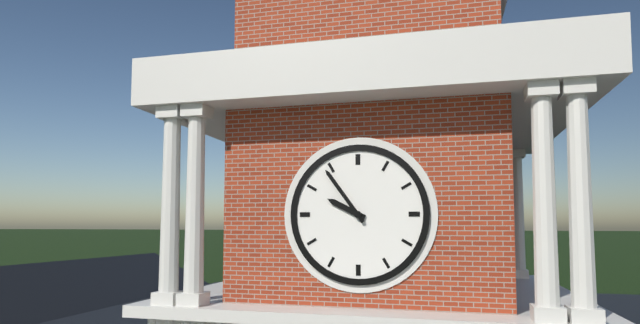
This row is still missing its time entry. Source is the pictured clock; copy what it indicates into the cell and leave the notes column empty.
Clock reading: 9:54
